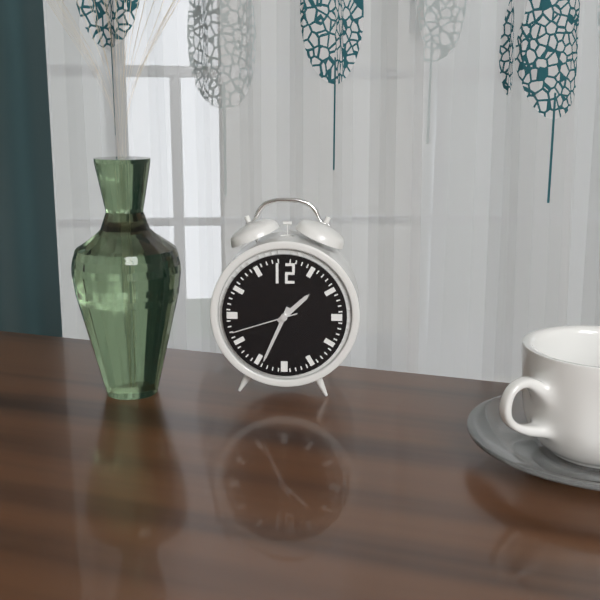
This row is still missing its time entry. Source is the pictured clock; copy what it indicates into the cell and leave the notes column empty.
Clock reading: 1:34:42
